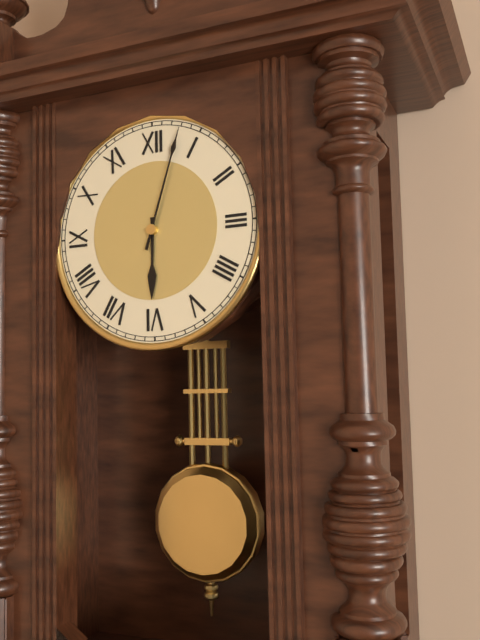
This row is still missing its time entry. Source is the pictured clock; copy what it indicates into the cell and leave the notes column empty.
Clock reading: 6:03
